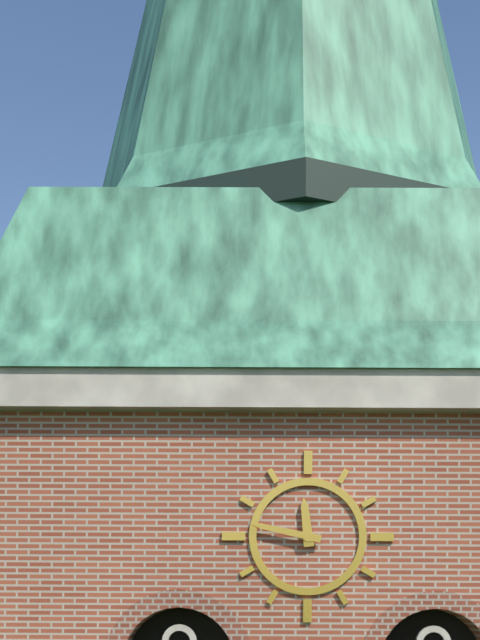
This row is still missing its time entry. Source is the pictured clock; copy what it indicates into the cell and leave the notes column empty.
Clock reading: 11:47
